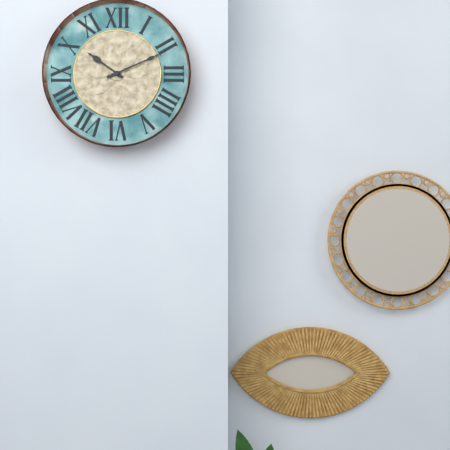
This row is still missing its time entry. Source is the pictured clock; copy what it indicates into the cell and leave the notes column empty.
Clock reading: 10:11
